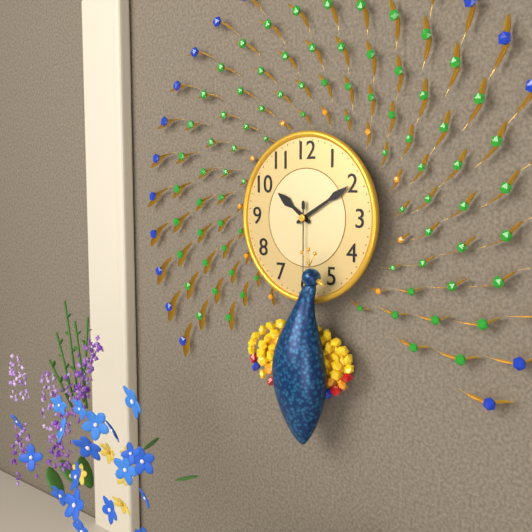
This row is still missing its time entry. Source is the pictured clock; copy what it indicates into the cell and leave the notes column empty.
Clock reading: 10:10:30
